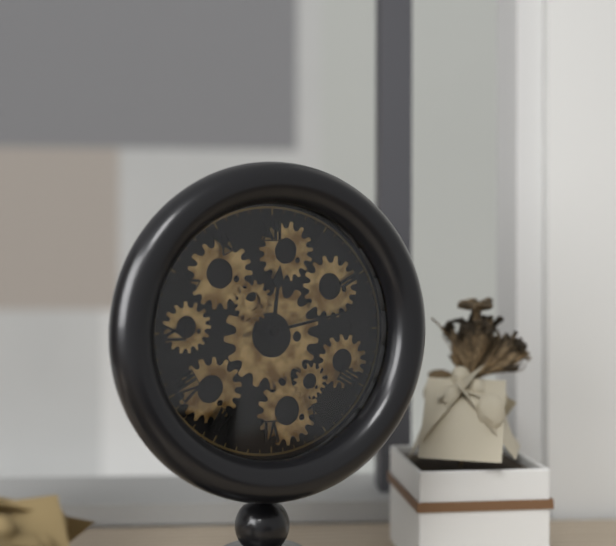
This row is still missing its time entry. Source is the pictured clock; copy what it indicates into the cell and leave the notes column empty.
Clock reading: 12:13
